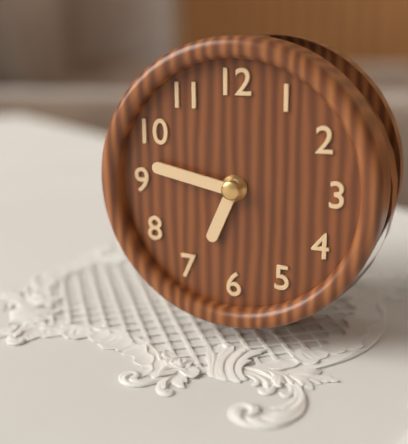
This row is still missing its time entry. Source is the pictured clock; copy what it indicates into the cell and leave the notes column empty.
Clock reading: 6:47
